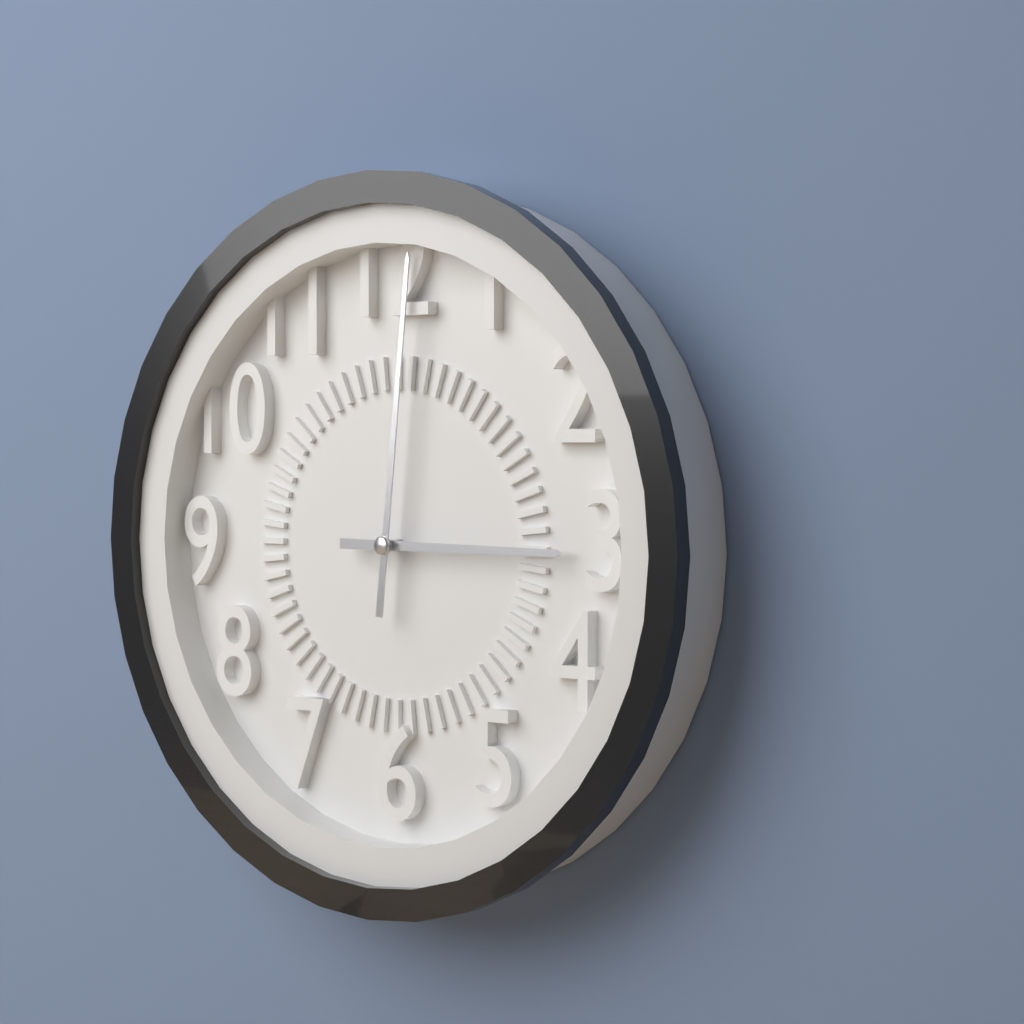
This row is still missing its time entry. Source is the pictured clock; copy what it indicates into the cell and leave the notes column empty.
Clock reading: 3:01
